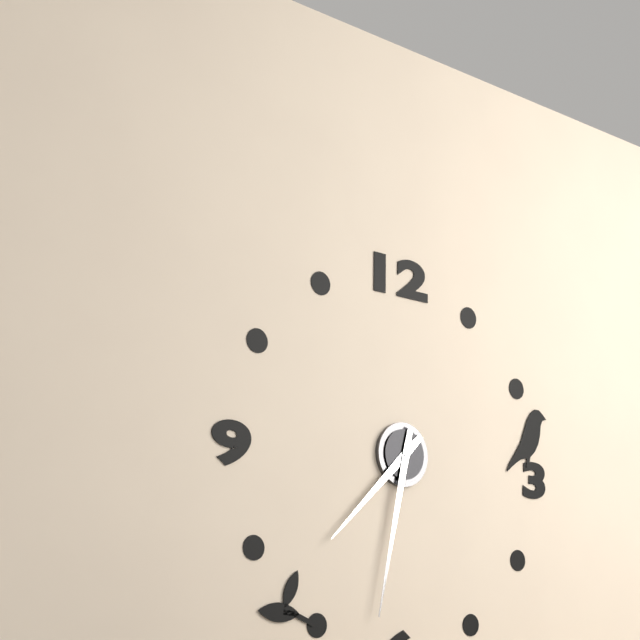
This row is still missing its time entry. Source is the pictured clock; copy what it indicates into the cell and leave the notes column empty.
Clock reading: 7:32
